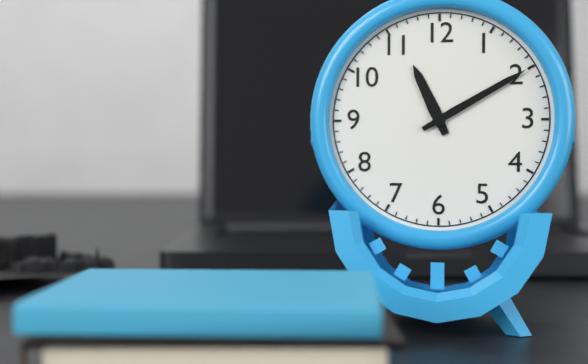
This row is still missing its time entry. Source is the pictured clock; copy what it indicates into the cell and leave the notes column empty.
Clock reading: 11:10
